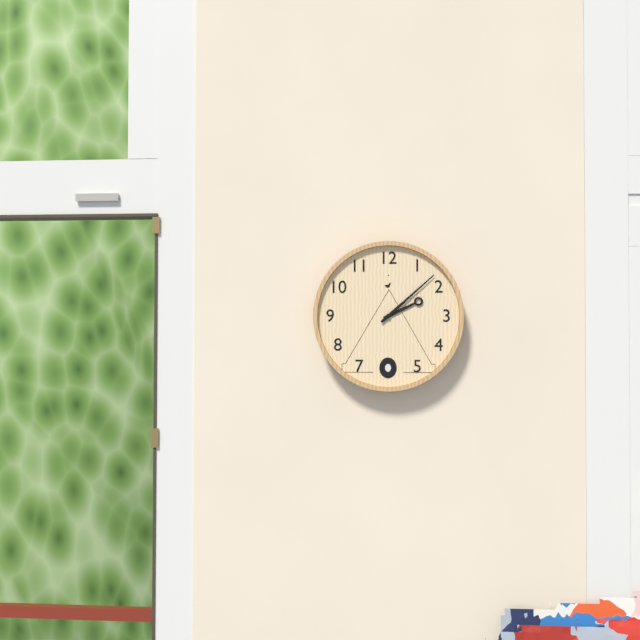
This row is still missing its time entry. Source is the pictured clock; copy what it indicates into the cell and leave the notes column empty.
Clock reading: 2:08
